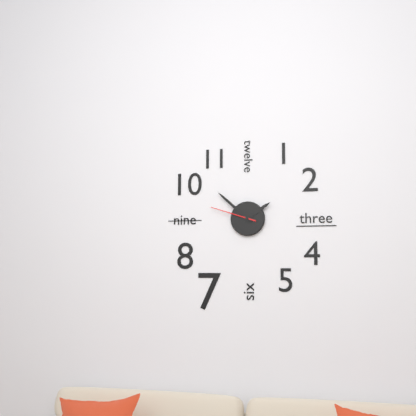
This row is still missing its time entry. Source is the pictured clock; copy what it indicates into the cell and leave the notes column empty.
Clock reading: 1:52
